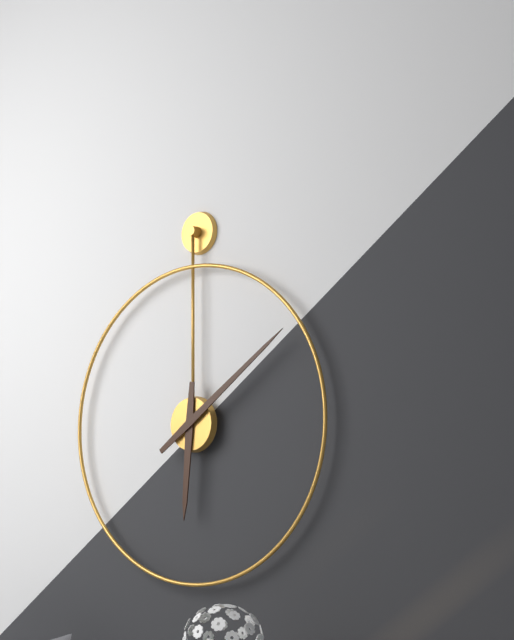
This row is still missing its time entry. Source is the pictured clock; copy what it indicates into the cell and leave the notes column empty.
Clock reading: 6:09
